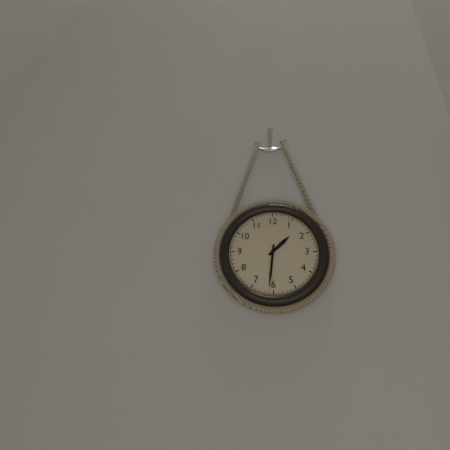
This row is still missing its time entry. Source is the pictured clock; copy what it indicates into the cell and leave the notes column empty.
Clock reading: 1:31
